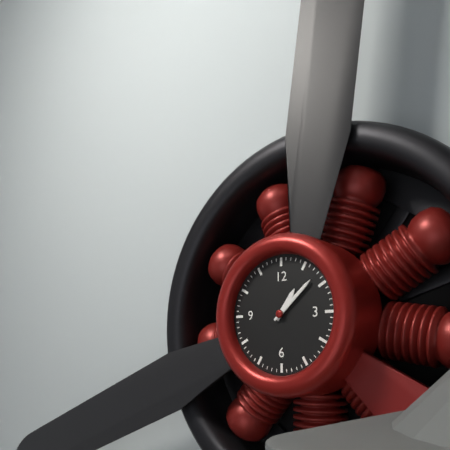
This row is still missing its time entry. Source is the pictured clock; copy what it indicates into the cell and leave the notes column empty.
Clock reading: 1:08
